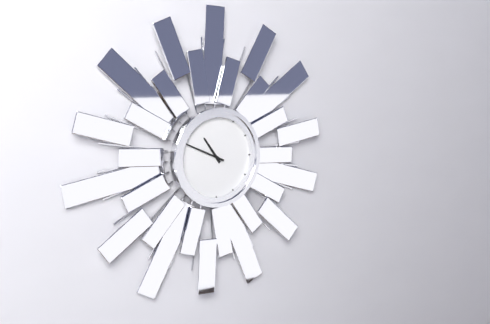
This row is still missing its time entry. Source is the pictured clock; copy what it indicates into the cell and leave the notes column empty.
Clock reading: 10:49
